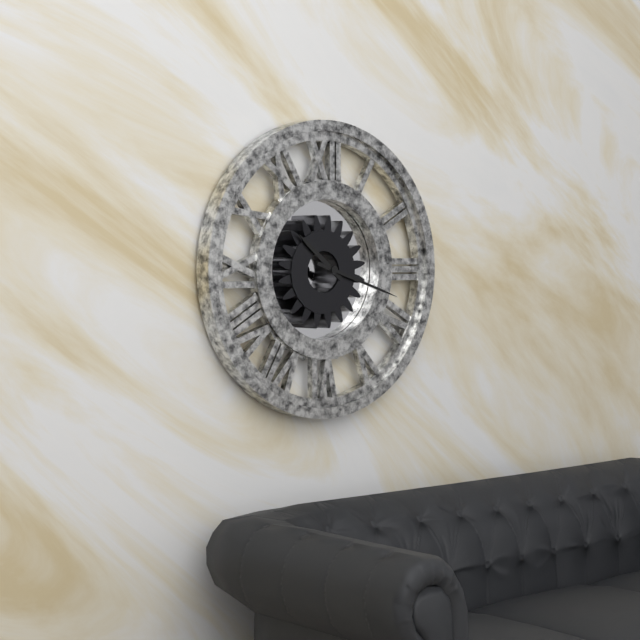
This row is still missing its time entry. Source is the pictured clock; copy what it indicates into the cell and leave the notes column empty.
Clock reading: 10:18
